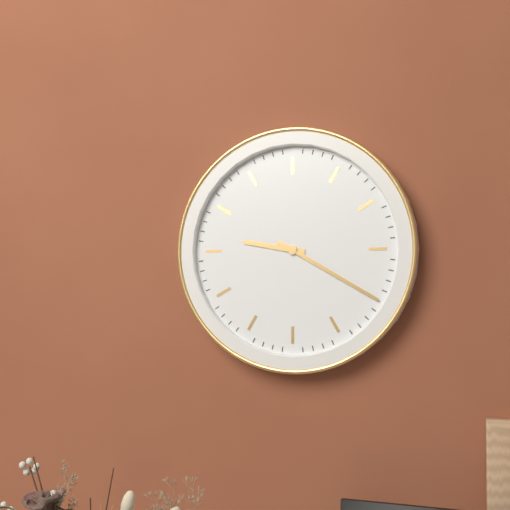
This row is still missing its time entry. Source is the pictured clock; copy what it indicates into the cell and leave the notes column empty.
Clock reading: 9:20
